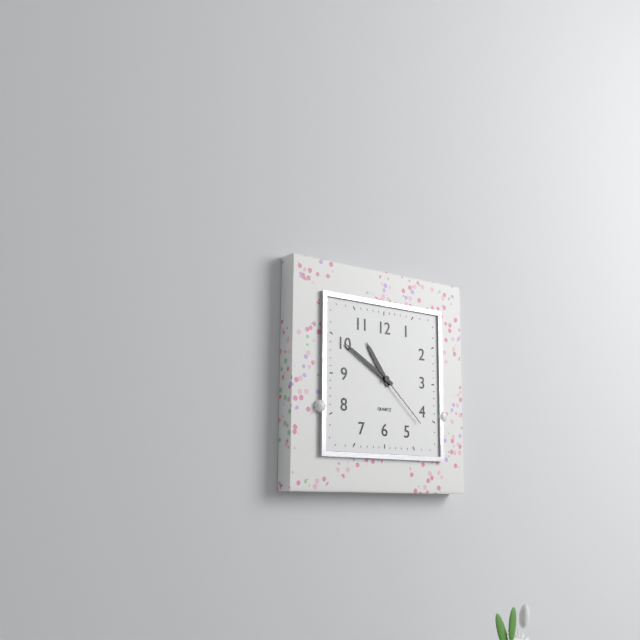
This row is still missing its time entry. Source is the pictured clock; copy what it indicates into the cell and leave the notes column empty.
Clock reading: 10:50:22
